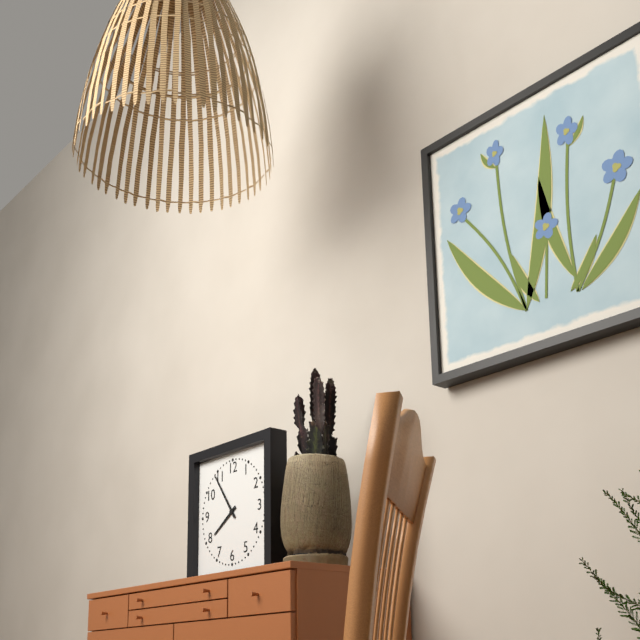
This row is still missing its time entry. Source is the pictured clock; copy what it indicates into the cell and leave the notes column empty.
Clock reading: 7:54
